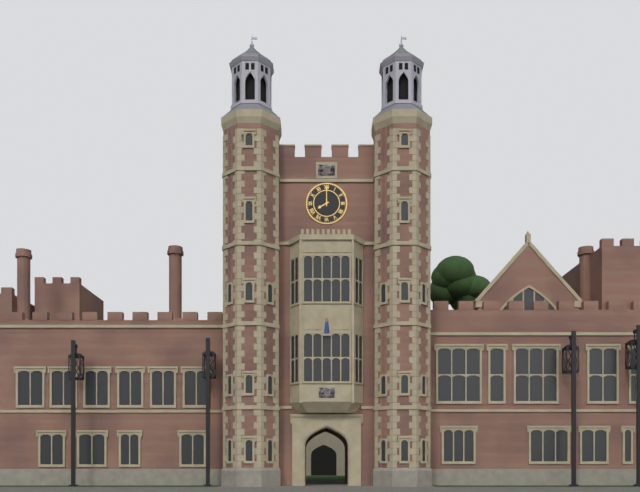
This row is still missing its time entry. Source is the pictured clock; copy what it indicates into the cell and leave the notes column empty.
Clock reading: 8:00
